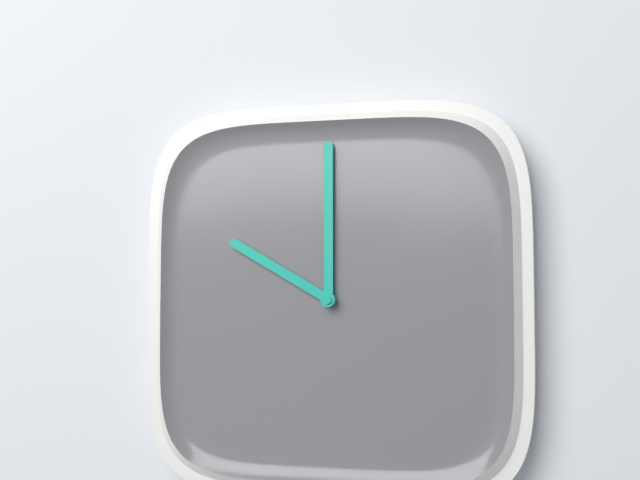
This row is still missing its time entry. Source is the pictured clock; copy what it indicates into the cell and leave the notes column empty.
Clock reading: 10:00
